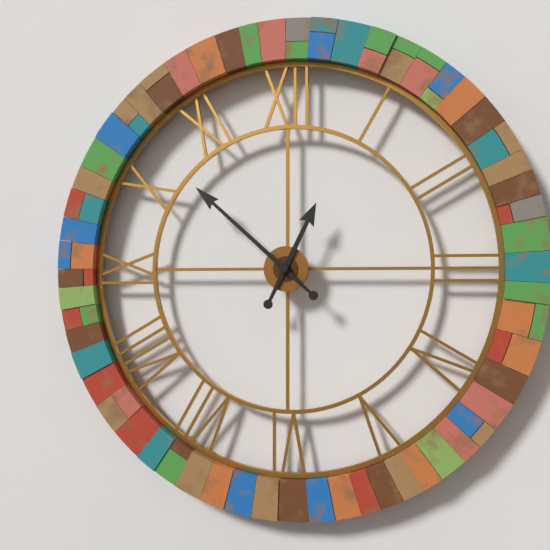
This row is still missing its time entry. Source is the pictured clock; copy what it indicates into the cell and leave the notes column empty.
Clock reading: 12:52
